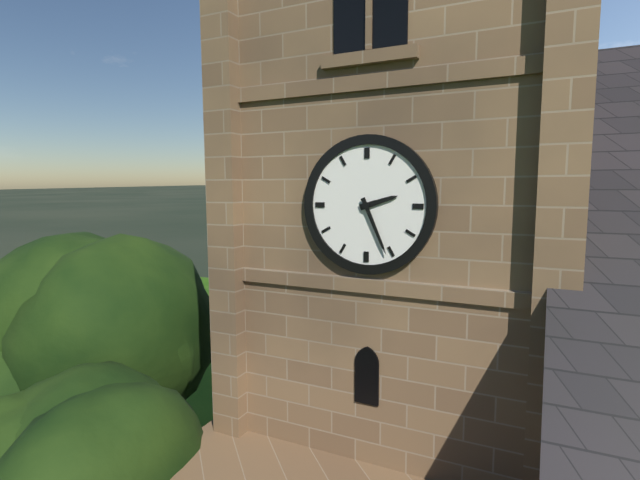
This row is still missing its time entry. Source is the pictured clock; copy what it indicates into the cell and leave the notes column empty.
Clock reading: 2:26
